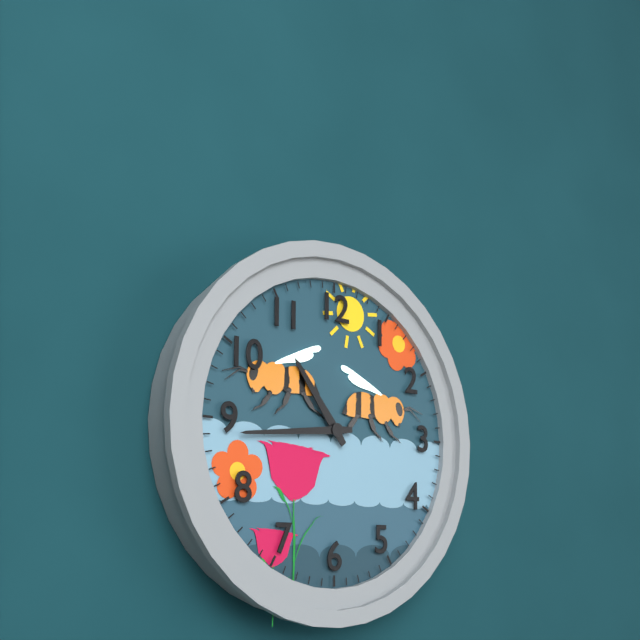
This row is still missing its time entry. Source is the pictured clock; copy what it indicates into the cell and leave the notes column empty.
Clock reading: 10:44
